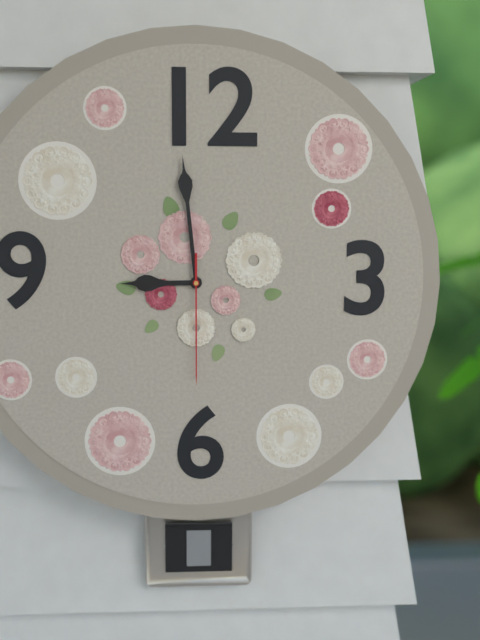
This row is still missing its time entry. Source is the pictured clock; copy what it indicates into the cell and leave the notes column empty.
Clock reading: 8:59:30
